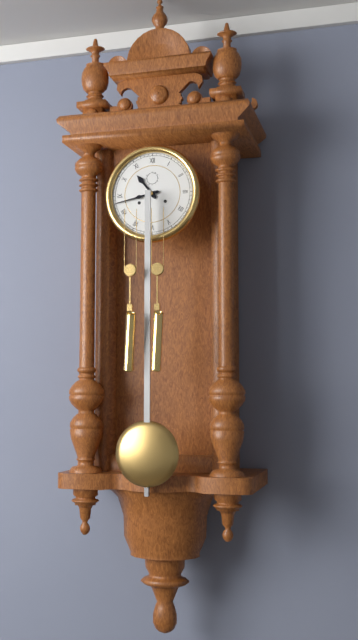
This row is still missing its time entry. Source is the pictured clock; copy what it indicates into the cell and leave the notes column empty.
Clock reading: 10:43
